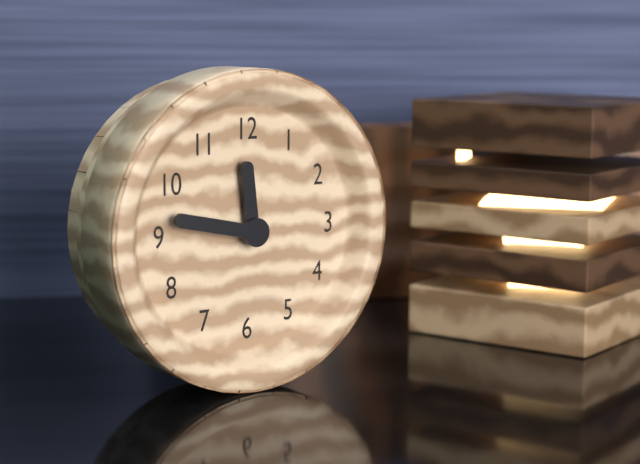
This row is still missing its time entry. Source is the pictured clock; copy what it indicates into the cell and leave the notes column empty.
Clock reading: 11:47
